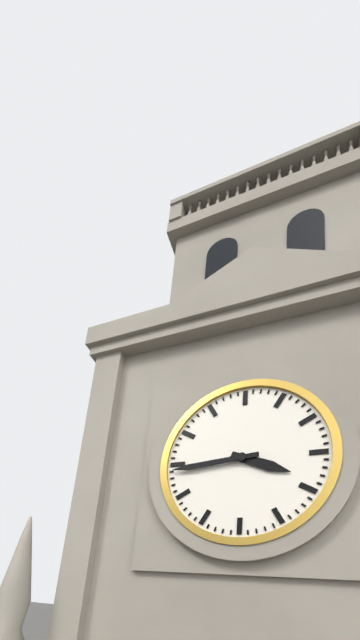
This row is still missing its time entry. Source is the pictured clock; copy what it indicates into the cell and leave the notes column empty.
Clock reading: 3:44
